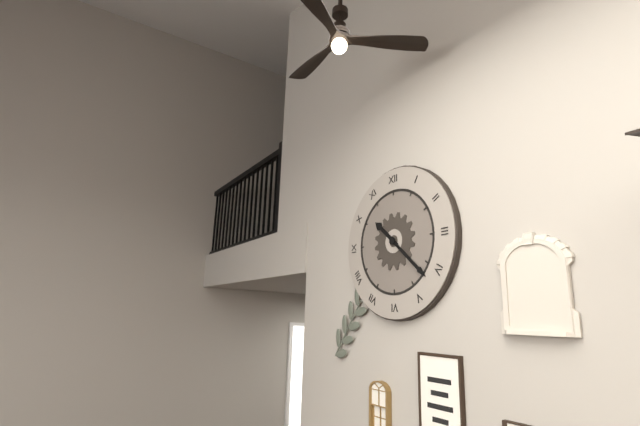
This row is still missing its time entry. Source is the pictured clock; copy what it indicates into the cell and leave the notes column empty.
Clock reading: 10:22
